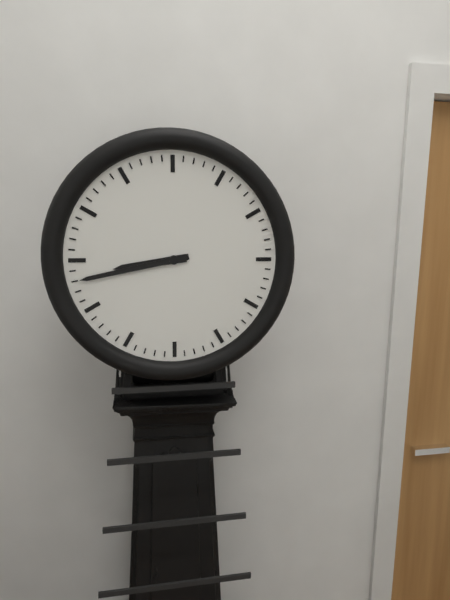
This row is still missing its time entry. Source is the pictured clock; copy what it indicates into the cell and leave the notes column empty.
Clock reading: 8:43
